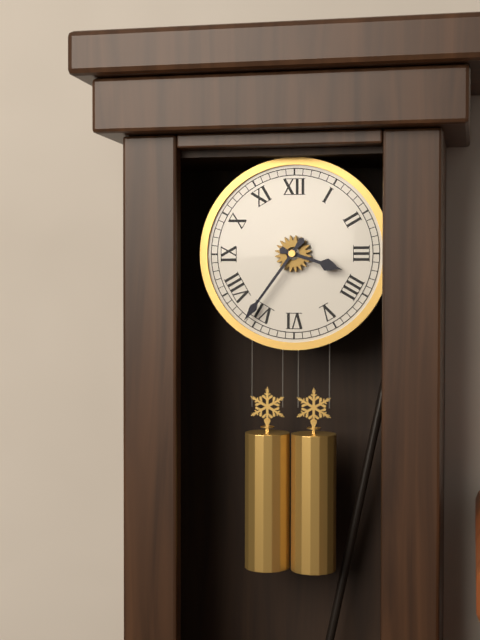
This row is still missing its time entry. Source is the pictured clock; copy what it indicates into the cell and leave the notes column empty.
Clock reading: 3:36
